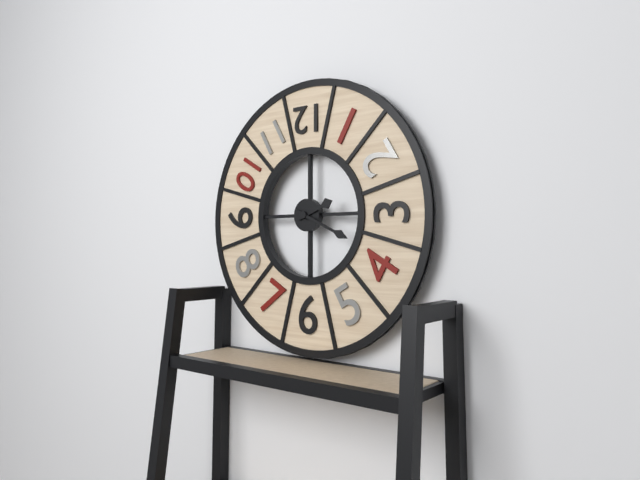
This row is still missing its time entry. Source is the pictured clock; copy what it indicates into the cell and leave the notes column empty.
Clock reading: 2:19
